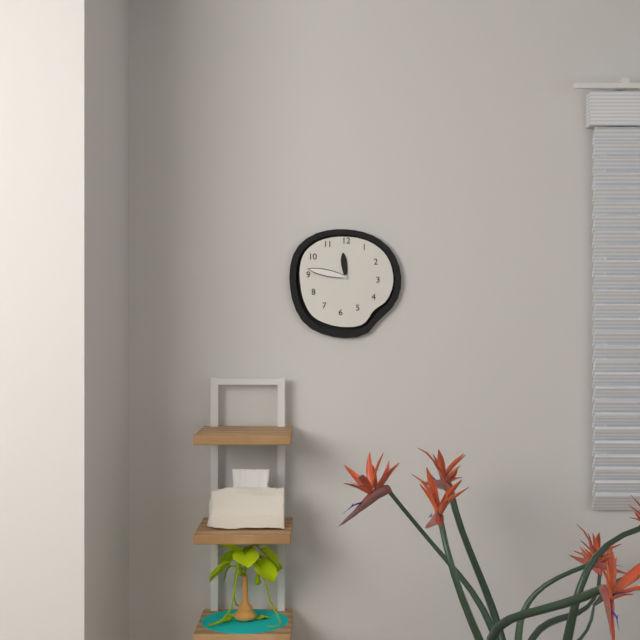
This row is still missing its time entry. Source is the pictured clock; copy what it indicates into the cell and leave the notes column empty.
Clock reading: 11:47
